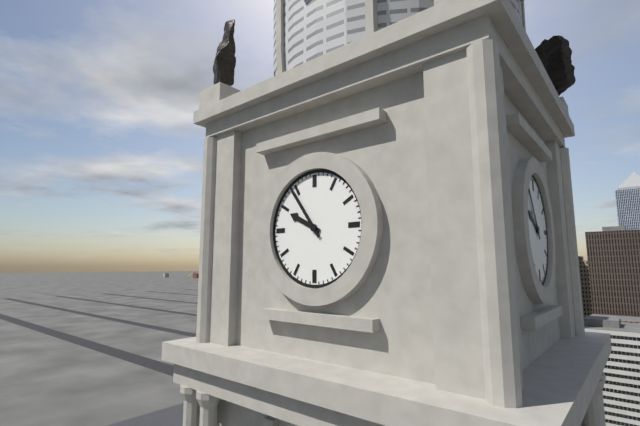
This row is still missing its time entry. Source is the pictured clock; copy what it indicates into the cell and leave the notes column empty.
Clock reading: 9:54
